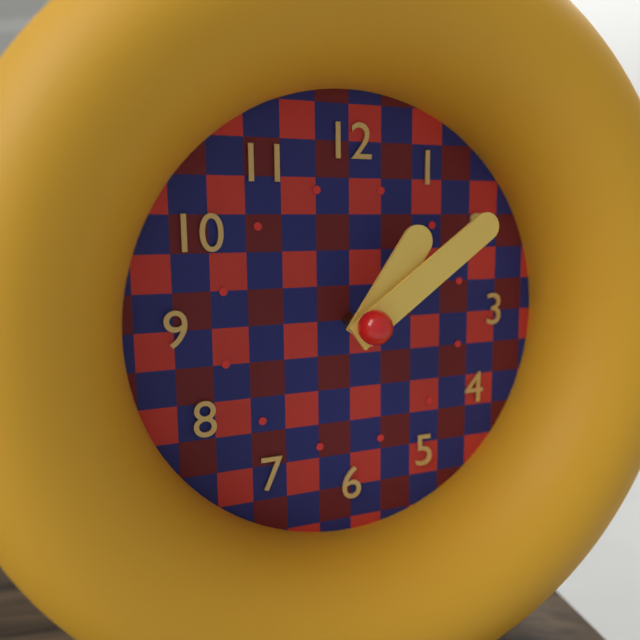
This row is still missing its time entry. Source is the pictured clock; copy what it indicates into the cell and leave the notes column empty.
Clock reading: 1:09
